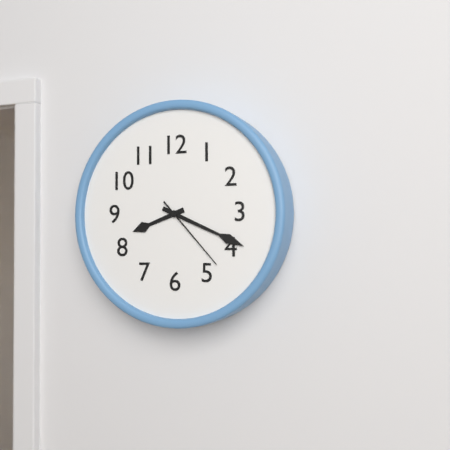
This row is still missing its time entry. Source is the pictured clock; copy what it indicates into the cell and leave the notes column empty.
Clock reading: 8:19:23
